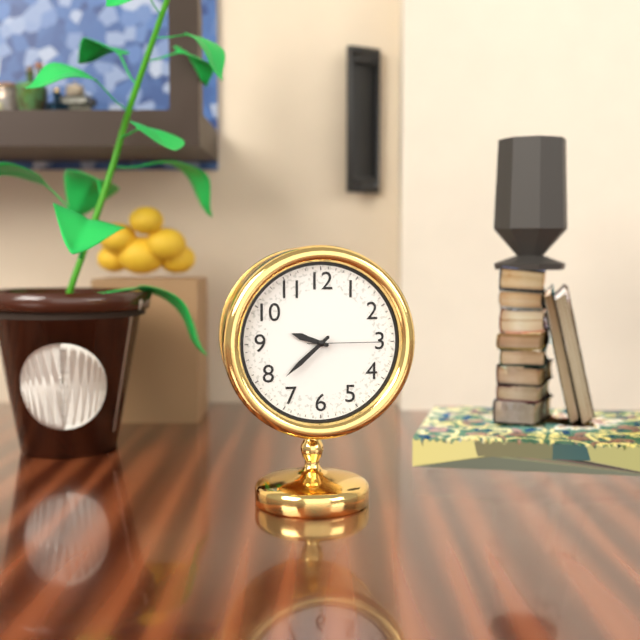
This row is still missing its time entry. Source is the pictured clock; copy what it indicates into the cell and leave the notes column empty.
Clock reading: 9:38:15
